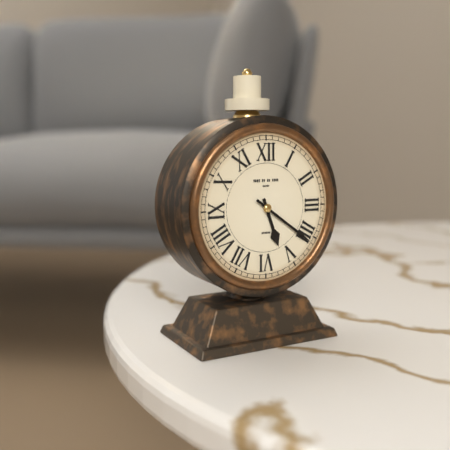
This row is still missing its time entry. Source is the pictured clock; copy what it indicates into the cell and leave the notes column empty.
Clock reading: 5:21
